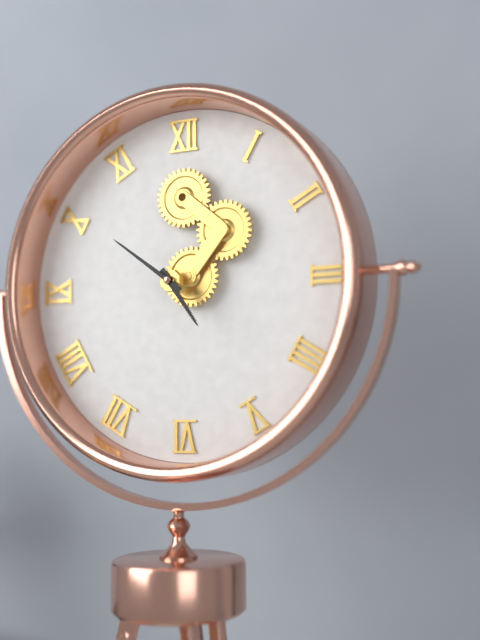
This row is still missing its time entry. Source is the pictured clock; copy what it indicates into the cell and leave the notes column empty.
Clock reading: 4:51
